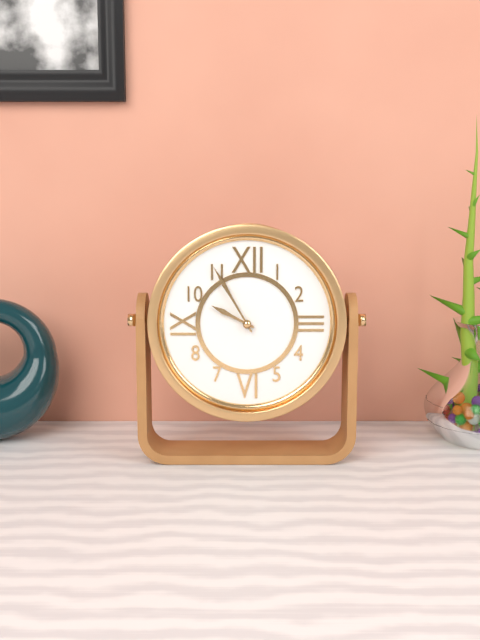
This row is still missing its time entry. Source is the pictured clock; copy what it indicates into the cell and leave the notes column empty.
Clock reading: 9:55
